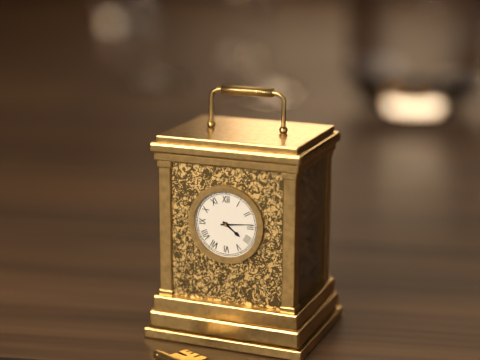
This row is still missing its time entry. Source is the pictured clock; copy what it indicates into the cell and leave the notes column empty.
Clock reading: 4:14
